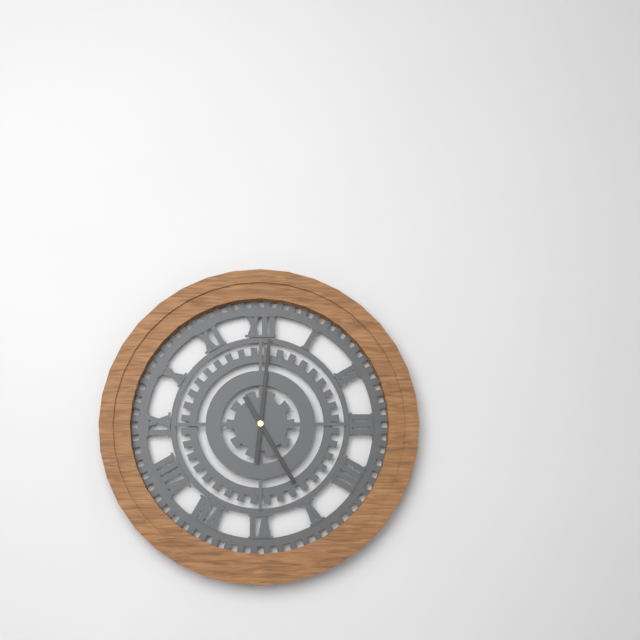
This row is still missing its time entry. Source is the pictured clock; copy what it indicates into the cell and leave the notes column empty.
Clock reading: 5:01
